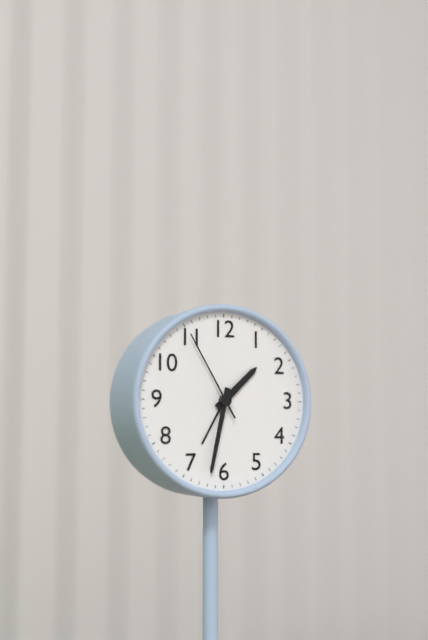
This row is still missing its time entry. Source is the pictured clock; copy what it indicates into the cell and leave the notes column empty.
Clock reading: 1:32:55
